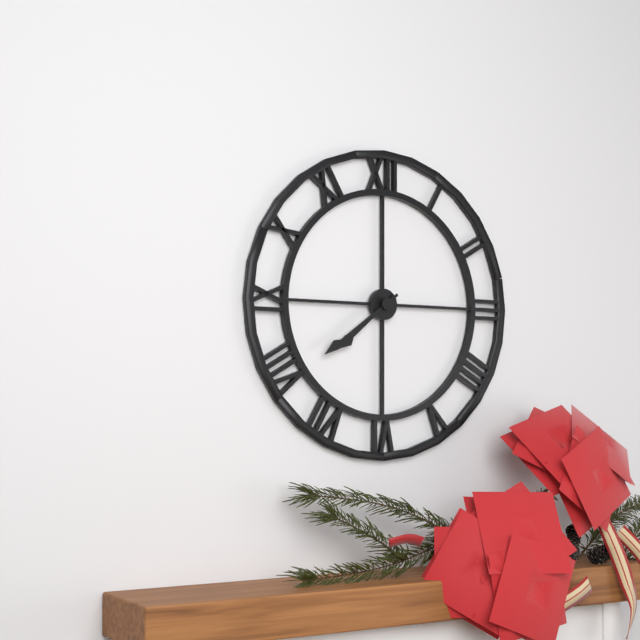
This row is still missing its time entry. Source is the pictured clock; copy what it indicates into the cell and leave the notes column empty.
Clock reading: 7:39
